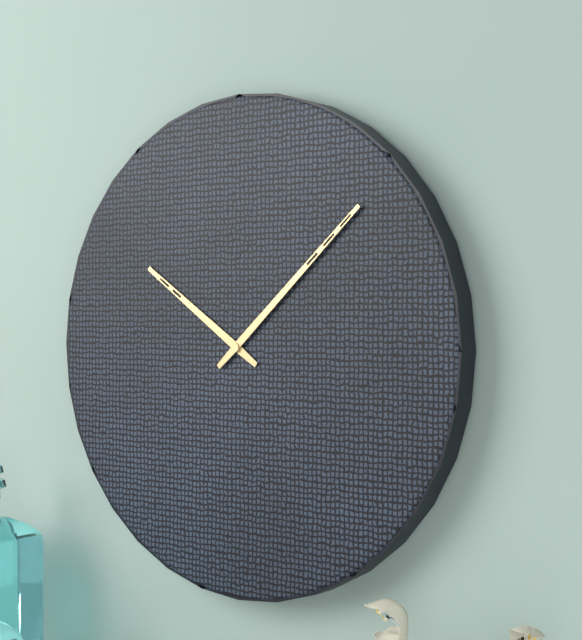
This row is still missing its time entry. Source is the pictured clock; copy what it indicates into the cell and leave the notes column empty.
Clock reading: 10:08
